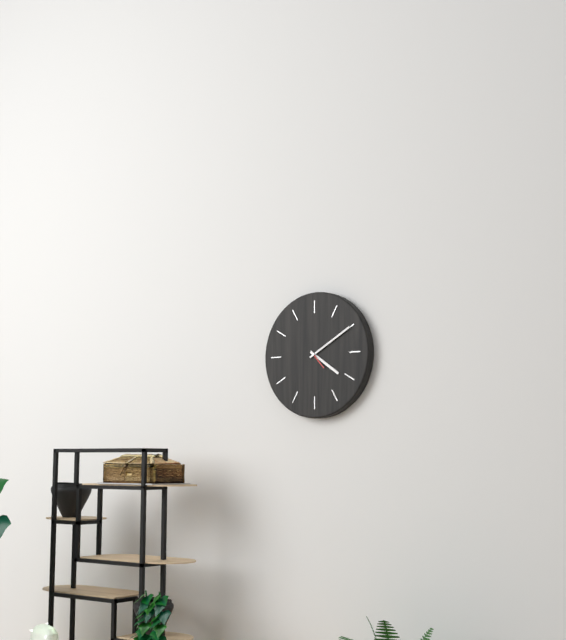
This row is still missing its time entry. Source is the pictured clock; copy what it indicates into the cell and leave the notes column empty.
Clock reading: 4:10
